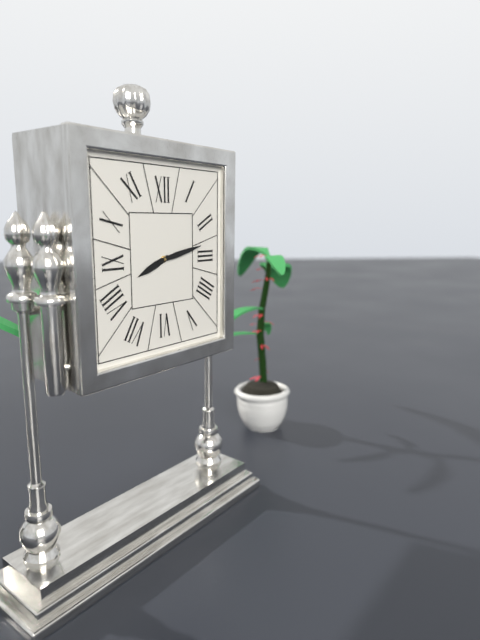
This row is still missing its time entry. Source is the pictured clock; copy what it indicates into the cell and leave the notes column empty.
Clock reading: 8:13
